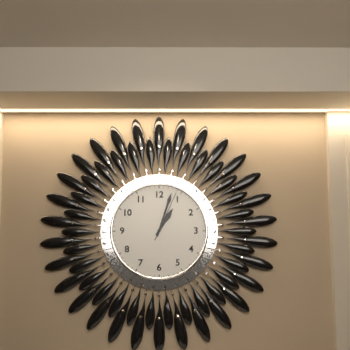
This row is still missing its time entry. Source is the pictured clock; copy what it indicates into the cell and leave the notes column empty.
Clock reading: 1:03:04
